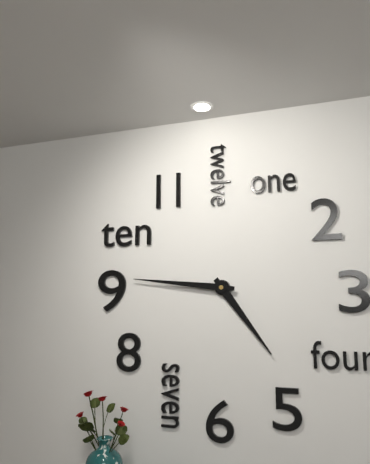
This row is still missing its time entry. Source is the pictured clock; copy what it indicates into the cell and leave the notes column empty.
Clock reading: 4:46
